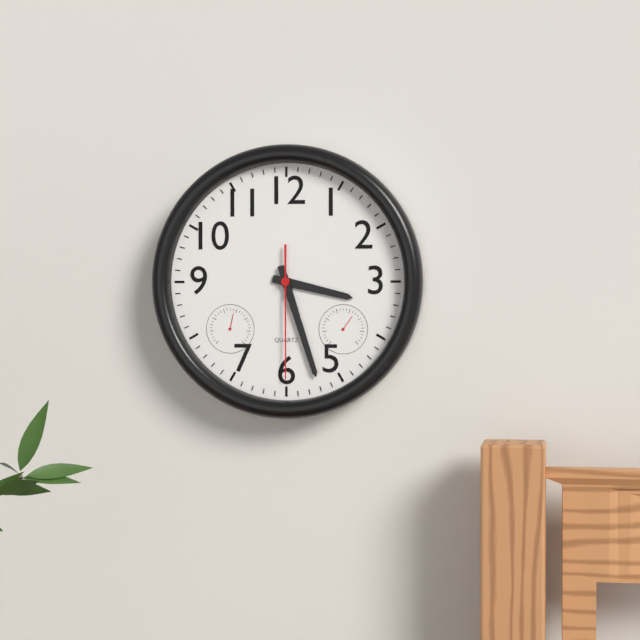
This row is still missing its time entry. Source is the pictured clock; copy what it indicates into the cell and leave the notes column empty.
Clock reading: 3:27:30
